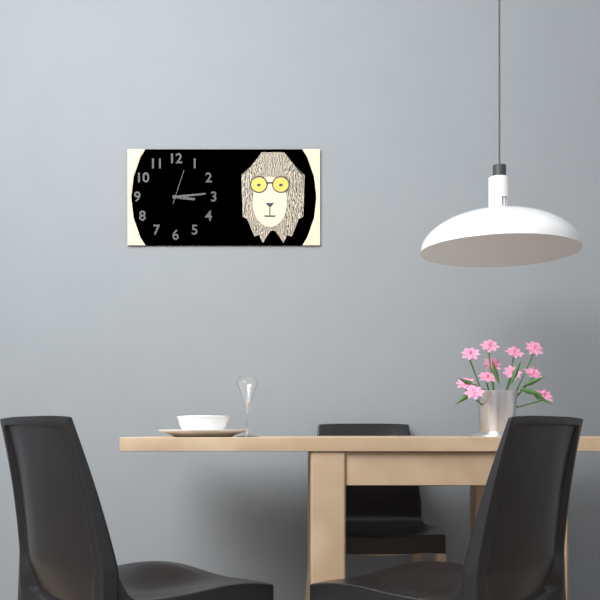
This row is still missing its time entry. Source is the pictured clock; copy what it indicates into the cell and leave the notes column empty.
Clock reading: 3:14
